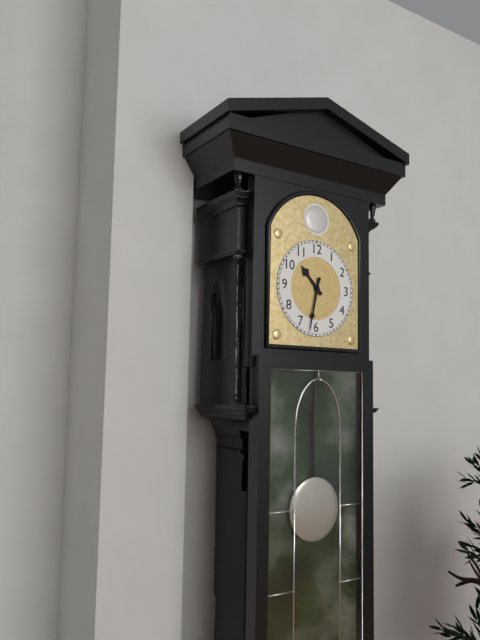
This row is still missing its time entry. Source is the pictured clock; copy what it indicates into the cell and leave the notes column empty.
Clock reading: 10:32
